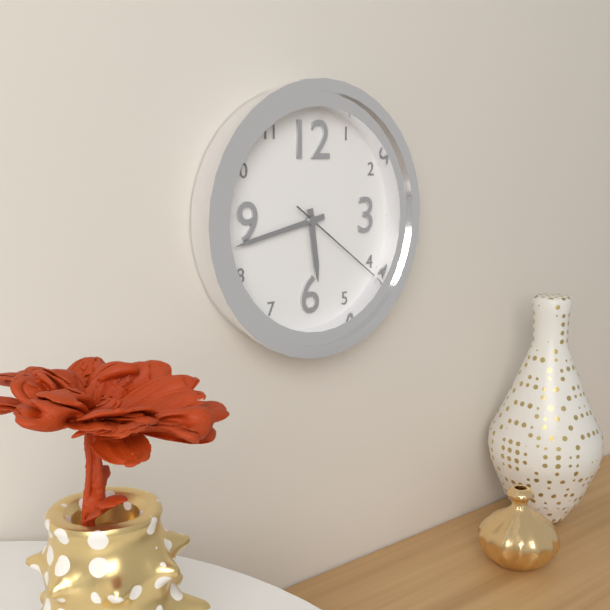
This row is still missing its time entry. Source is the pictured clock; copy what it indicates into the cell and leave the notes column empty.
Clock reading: 5:43:21
